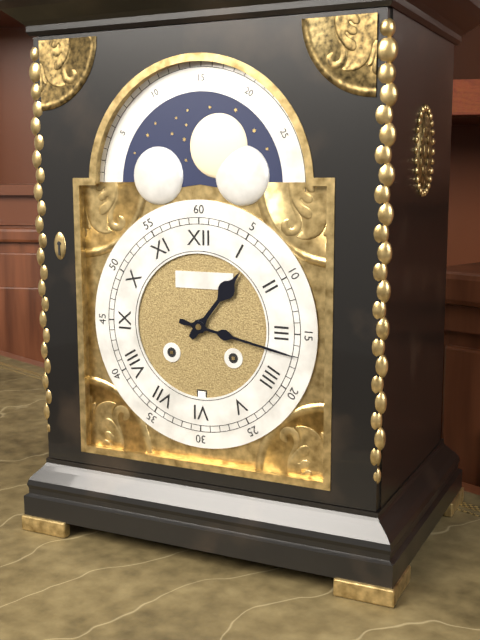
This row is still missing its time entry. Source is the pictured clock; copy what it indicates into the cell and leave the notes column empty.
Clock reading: 1:17
